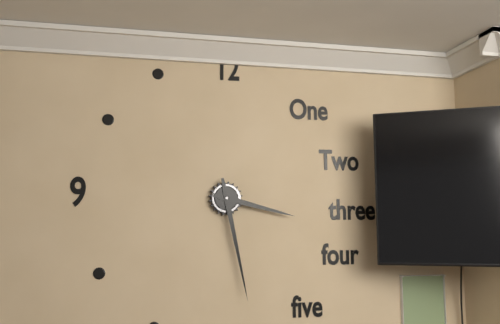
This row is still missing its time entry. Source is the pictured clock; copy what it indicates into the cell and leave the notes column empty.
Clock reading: 3:28
